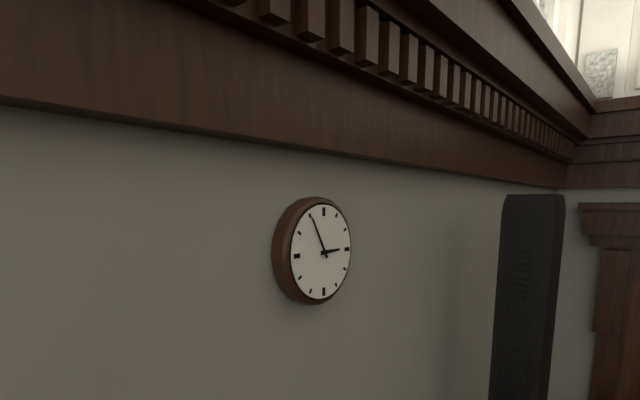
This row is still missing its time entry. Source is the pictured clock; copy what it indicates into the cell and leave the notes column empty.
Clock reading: 2:55
